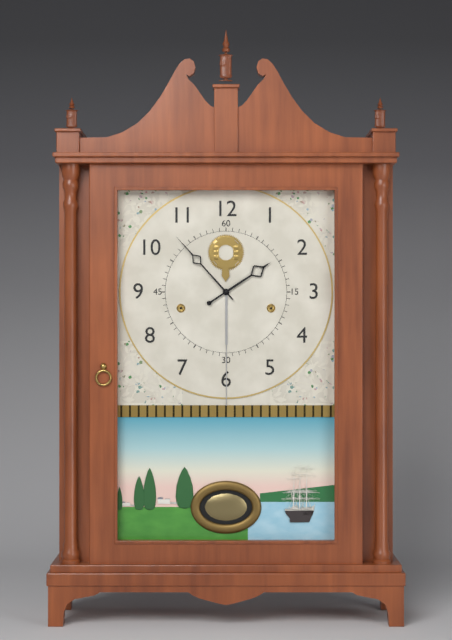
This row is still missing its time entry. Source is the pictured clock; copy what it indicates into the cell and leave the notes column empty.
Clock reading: 1:53
